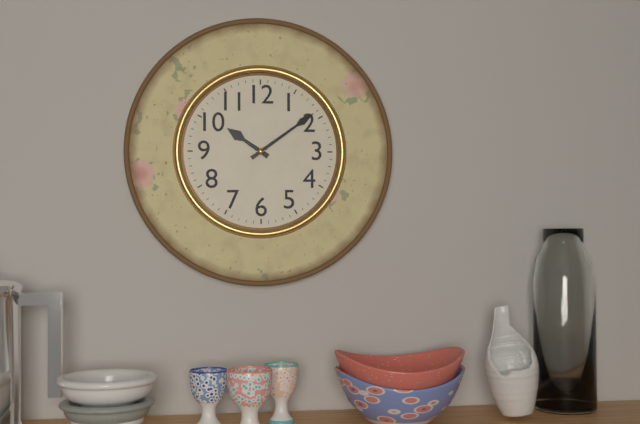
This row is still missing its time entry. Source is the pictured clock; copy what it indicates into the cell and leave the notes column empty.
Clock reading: 10:09
